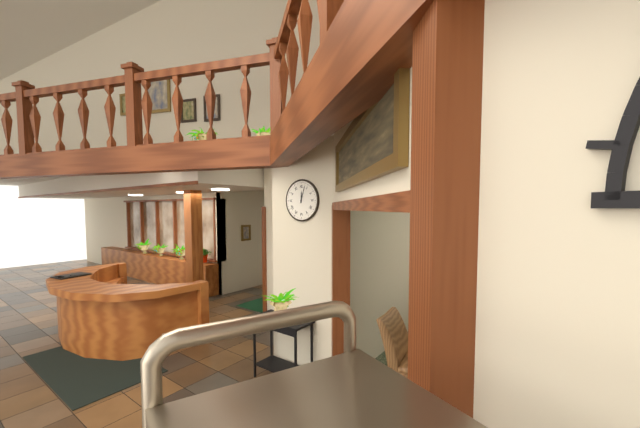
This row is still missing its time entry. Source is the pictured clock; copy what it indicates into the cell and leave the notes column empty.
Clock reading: 12:03
